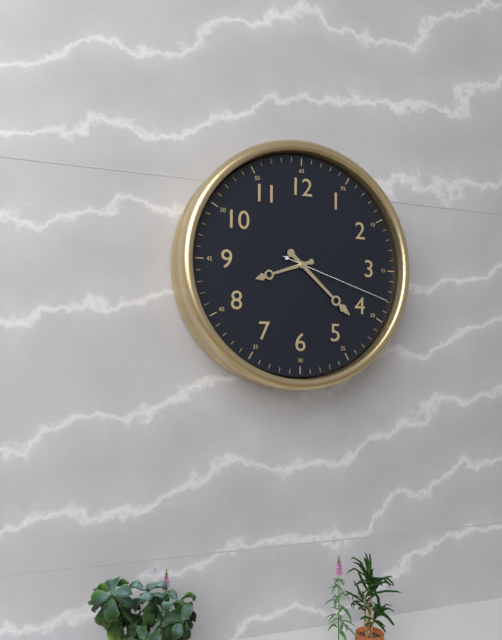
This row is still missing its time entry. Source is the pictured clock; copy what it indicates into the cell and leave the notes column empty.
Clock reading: 8:22:18
